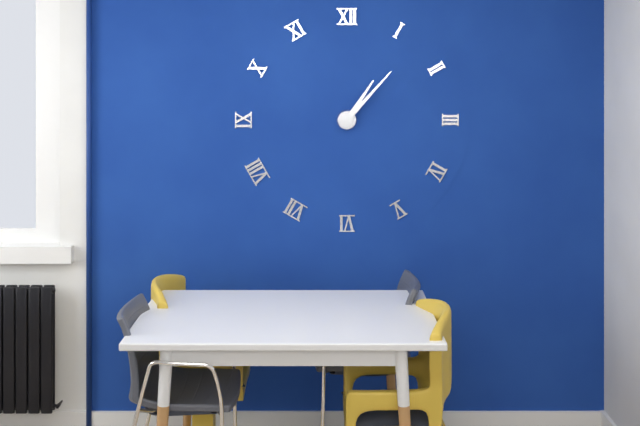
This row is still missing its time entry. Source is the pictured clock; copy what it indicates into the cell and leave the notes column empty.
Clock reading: 1:07
